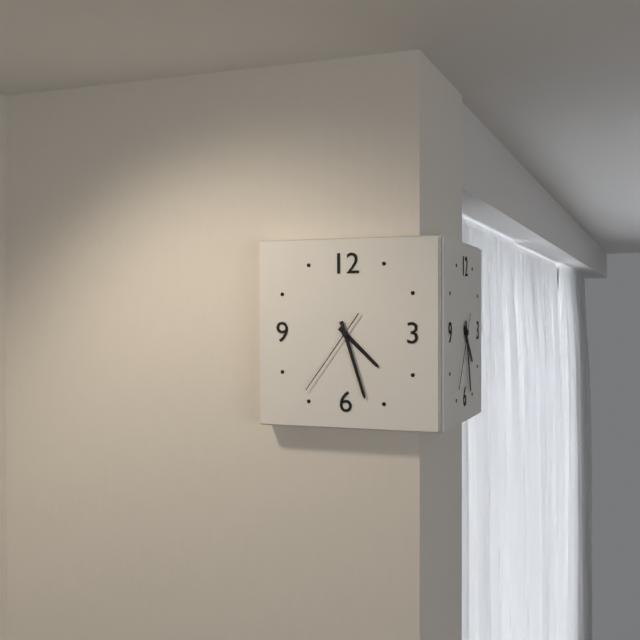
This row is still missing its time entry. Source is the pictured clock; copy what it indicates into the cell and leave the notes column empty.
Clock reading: 4:27:36
